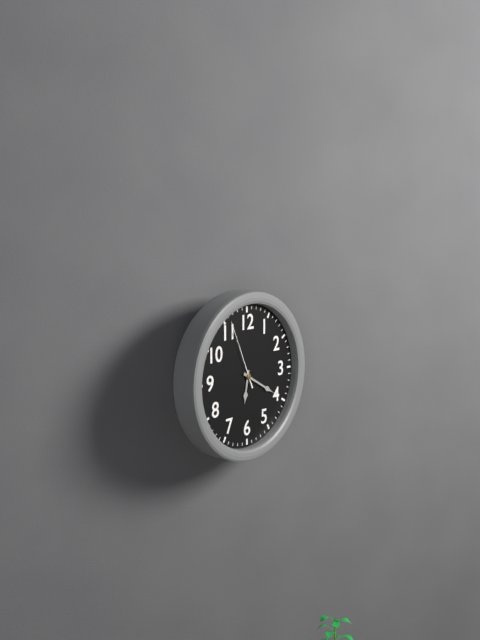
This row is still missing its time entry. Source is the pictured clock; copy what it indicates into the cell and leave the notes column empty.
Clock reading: 6:20:56
